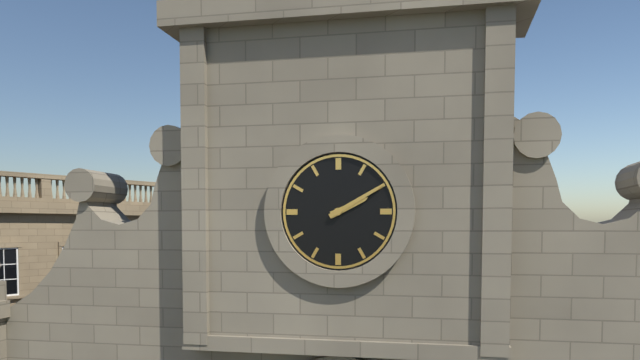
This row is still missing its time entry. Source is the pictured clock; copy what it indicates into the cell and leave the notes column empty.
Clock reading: 2:10
